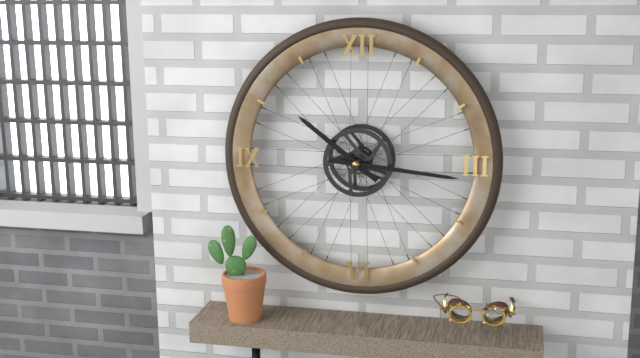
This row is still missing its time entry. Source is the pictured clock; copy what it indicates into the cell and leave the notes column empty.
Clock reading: 10:16
